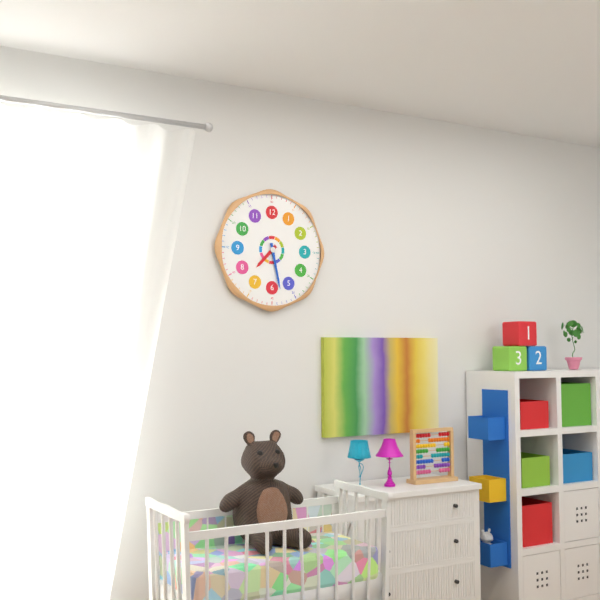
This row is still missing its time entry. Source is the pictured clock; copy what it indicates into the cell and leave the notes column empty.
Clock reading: 7:28
